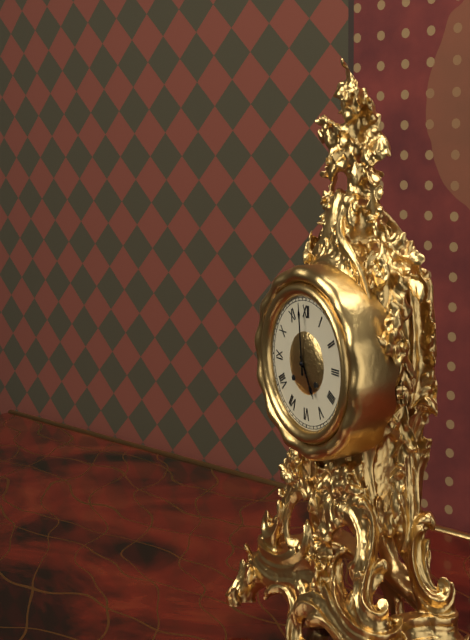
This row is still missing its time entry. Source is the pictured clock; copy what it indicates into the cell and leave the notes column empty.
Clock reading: 4:59
